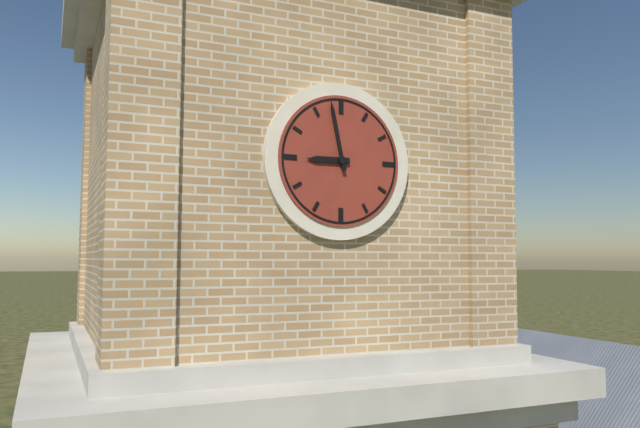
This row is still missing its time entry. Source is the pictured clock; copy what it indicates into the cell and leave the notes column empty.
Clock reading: 8:58
